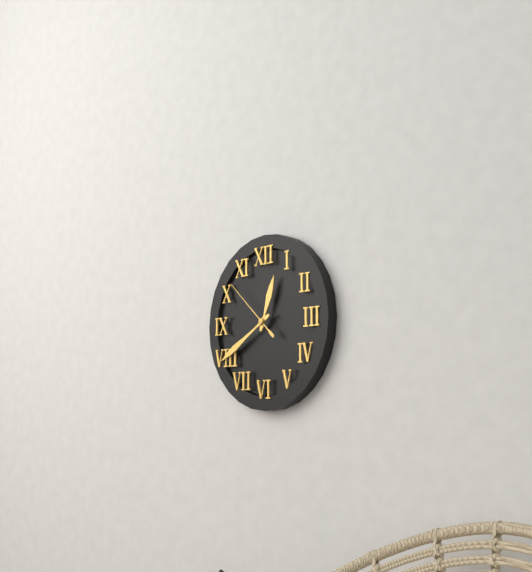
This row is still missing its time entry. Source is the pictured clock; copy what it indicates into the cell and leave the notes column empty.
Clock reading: 12:40:52
